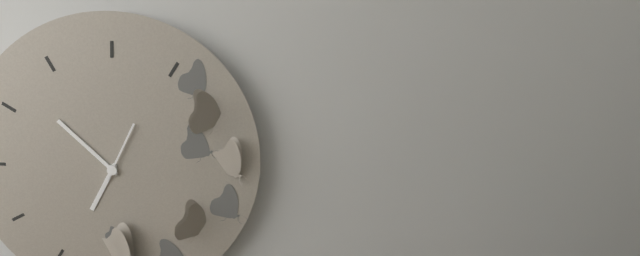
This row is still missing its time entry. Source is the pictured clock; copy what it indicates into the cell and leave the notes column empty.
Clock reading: 6:52:04
